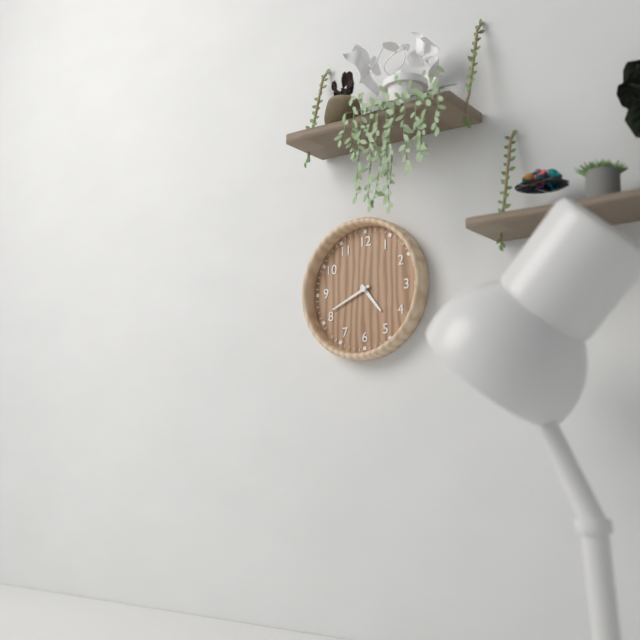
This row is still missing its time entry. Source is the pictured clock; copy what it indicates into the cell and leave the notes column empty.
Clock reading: 4:41
